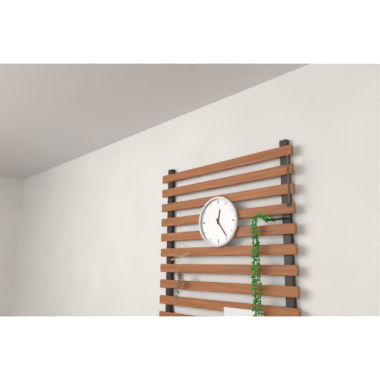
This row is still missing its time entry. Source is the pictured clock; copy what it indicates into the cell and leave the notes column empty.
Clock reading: 12:24
